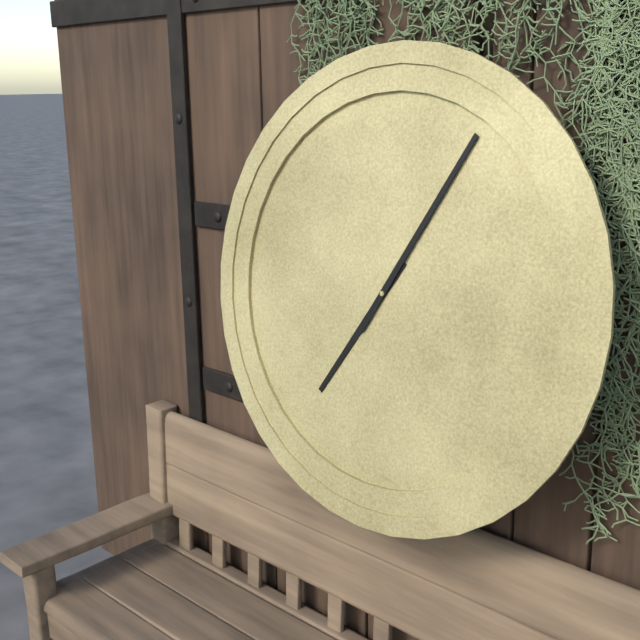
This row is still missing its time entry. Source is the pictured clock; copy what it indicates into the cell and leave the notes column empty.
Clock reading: 7:05
